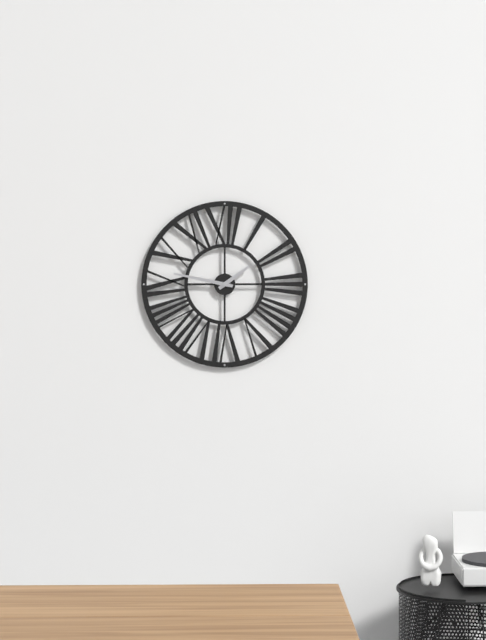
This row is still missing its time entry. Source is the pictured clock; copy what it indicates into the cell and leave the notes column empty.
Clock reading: 1:47
